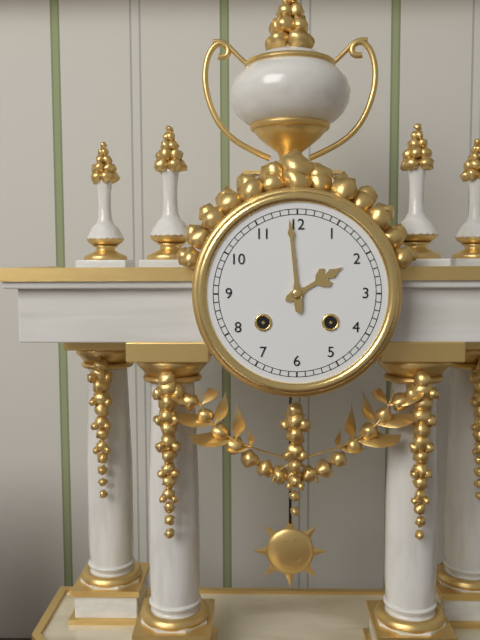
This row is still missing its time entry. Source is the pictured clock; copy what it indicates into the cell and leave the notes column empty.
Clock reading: 1:59
